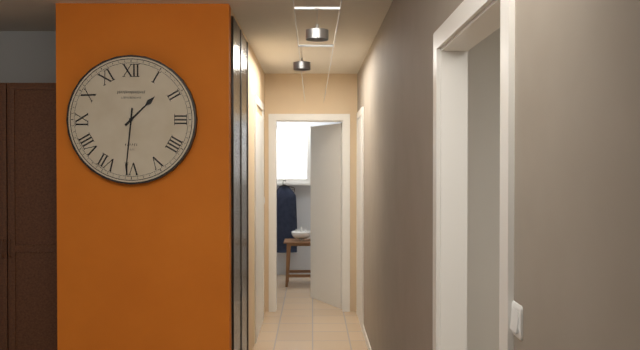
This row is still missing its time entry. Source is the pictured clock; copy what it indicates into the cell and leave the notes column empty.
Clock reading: 1:31
